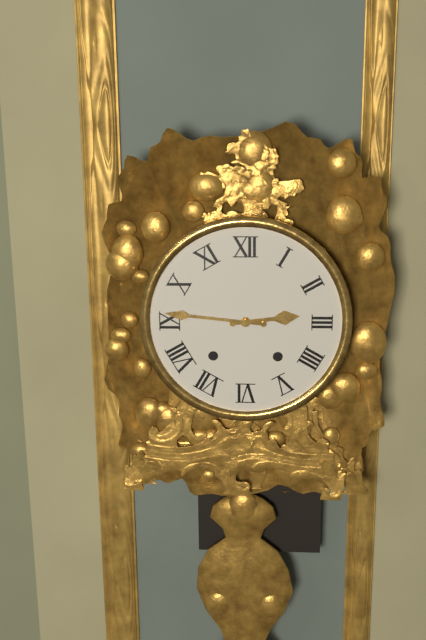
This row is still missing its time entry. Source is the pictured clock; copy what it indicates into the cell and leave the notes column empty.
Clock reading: 2:46
